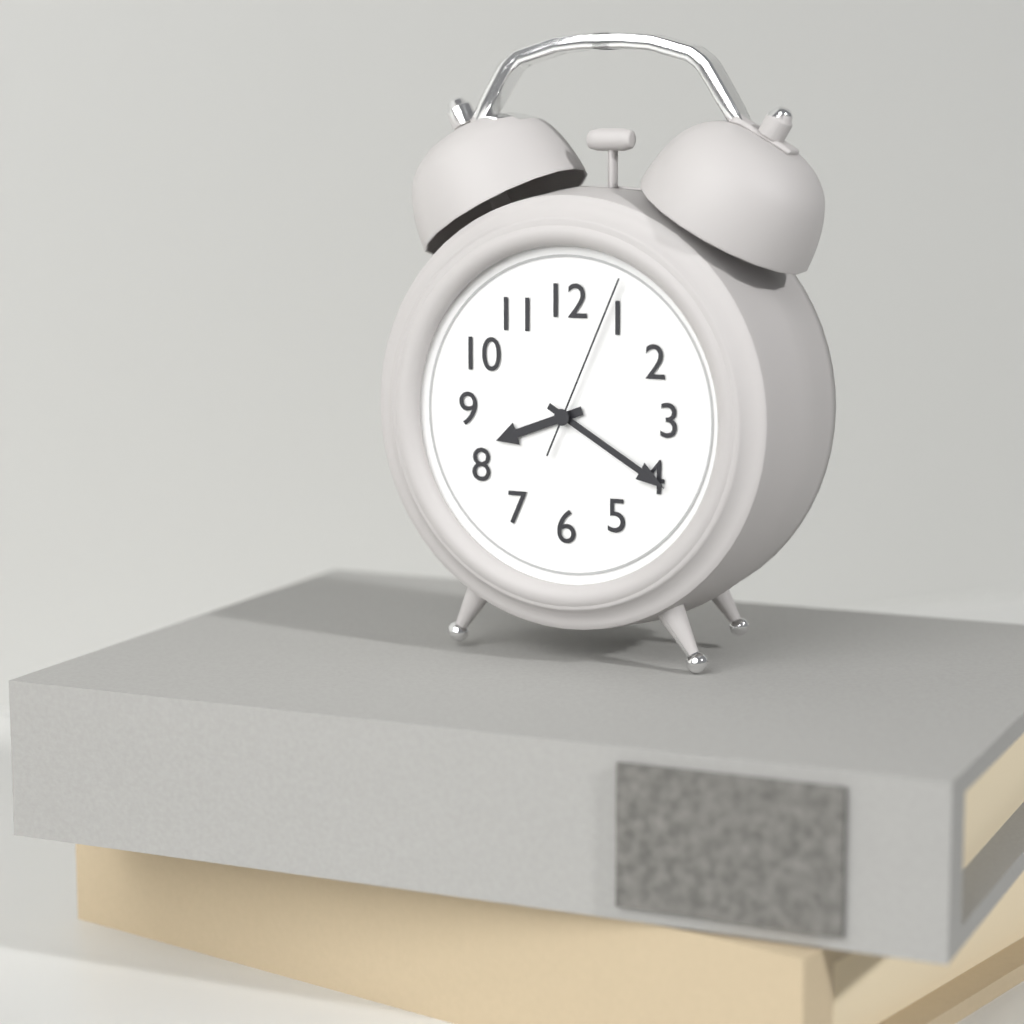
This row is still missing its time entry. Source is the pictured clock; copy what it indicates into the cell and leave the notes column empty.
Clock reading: 8:20:04
